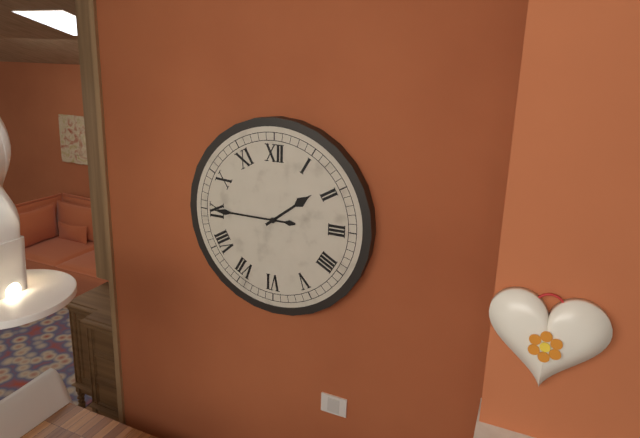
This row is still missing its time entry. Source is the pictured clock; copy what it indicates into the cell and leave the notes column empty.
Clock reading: 1:45
